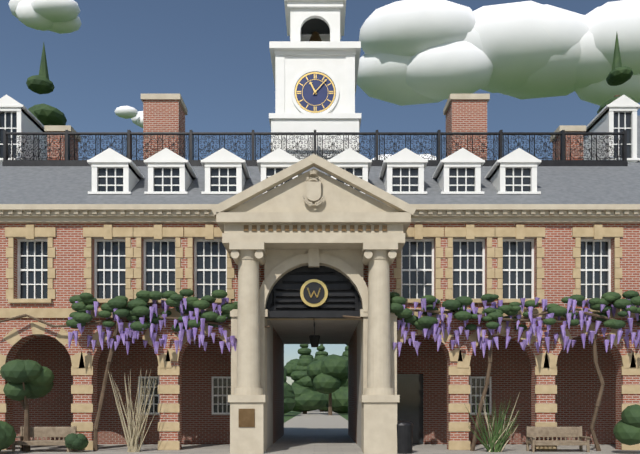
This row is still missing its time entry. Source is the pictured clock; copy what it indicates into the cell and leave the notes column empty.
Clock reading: 11:07
